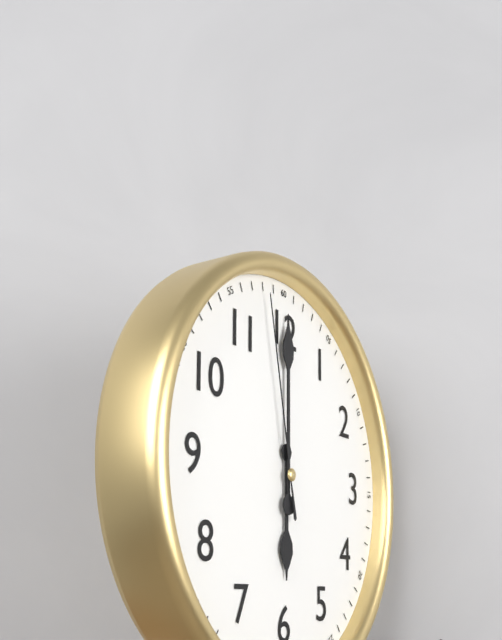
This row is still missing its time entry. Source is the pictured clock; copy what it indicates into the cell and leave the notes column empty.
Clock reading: 6:00:58
